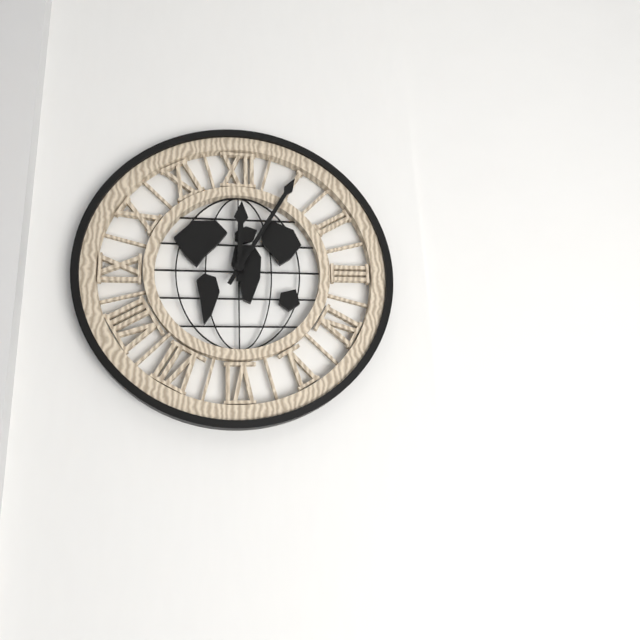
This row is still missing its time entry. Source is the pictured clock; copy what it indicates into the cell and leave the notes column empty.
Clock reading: 12:05
